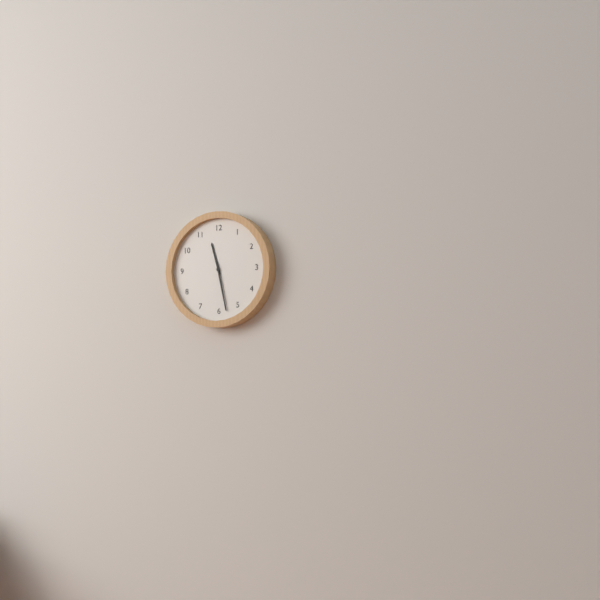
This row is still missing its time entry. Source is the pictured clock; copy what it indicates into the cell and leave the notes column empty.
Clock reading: 11:28
